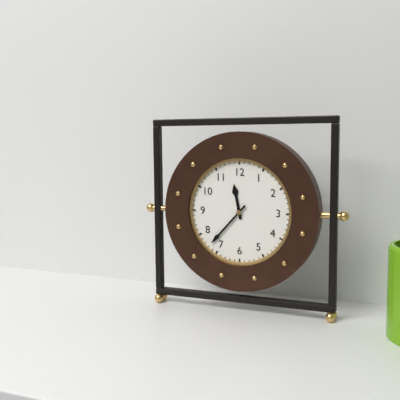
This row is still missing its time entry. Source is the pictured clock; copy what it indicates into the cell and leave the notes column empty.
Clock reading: 11:37
